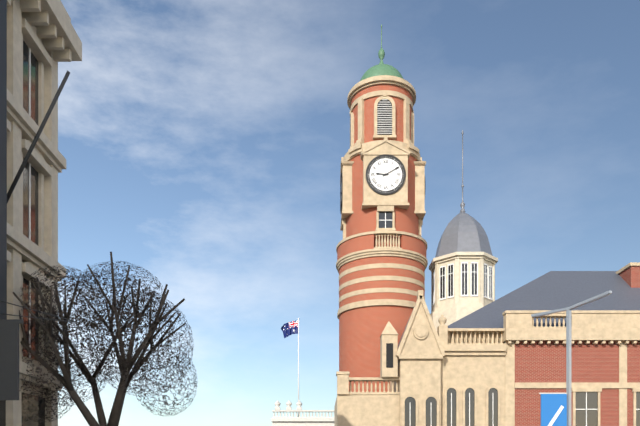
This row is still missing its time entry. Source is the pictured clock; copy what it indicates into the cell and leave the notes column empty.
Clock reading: 9:10
